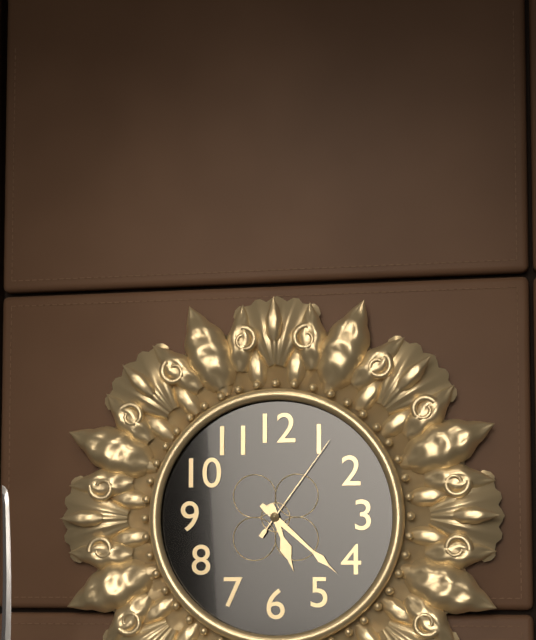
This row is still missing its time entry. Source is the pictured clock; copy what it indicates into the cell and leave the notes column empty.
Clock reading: 5:22:06
